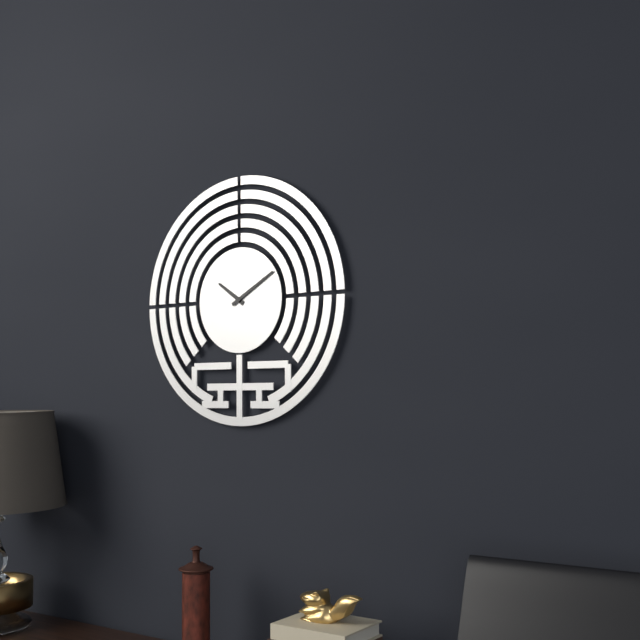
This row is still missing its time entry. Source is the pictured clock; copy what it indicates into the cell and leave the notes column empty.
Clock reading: 10:10
